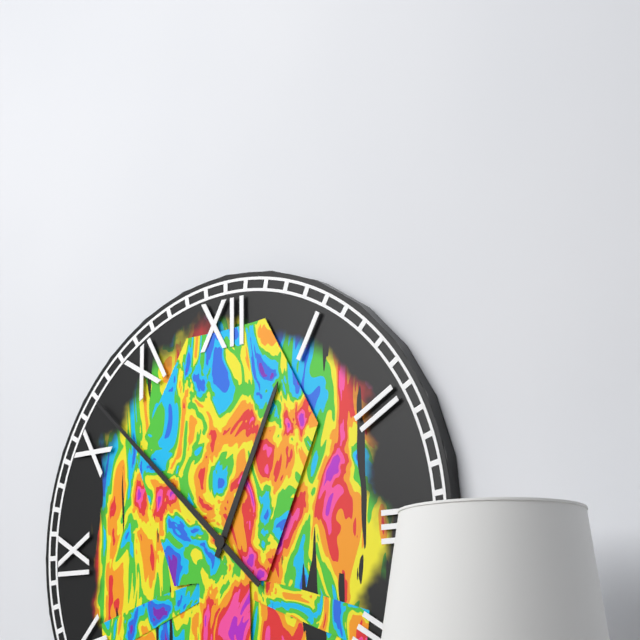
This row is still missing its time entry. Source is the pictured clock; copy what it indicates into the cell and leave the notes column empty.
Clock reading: 12:52
